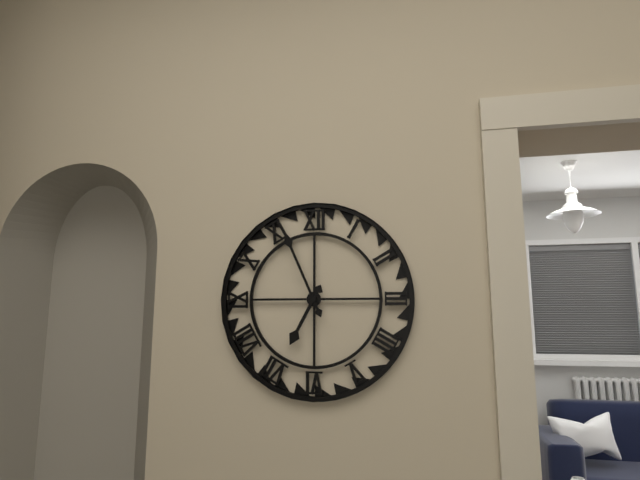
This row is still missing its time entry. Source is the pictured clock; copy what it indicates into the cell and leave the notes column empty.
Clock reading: 6:56
